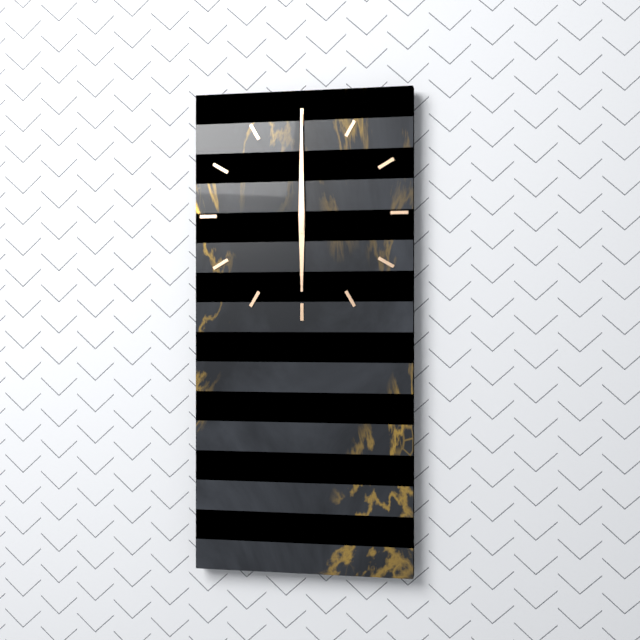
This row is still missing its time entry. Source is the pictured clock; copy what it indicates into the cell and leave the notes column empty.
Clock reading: 6:00
